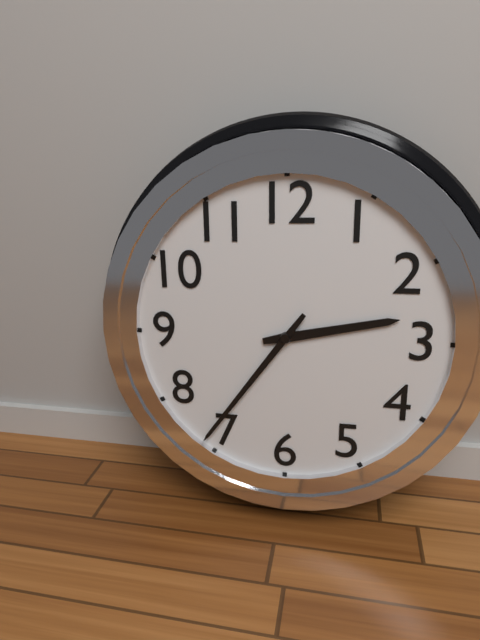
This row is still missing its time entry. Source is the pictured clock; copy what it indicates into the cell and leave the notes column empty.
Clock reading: 2:36
